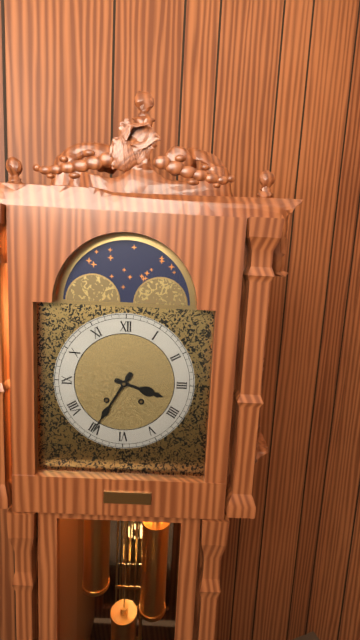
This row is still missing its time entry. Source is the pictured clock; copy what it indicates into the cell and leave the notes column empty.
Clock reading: 3:35
